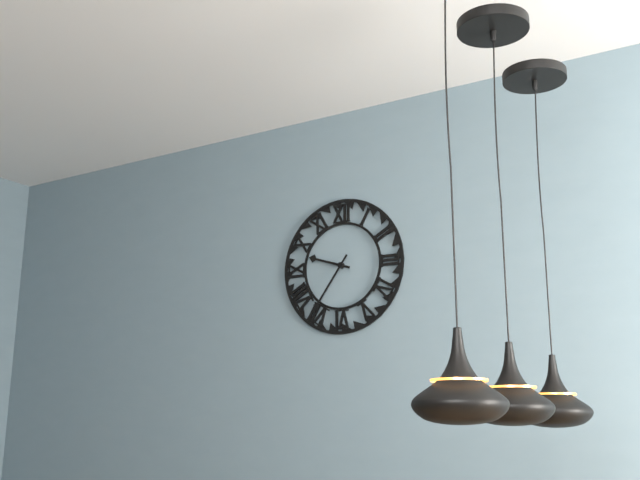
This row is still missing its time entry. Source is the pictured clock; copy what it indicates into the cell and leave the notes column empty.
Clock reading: 9:36
